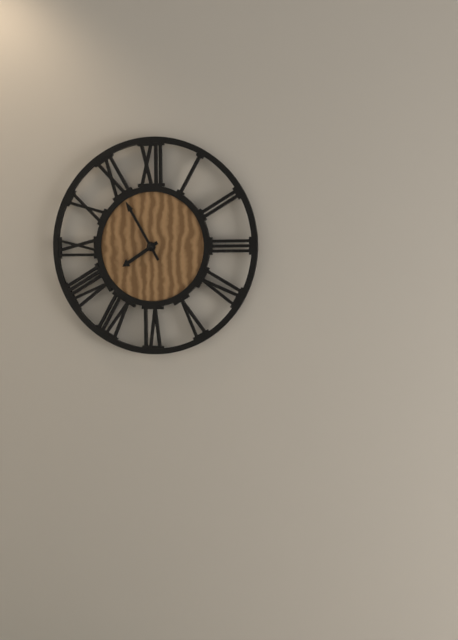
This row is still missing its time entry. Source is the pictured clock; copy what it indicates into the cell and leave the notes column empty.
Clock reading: 7:55
